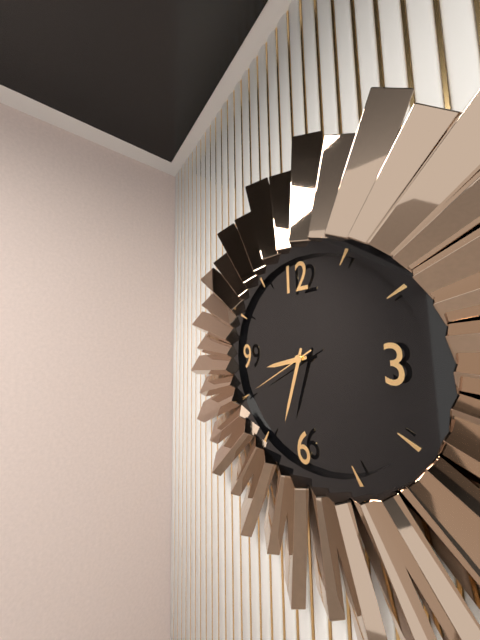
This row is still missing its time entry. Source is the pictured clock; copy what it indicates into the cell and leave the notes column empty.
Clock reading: 8:33:40
